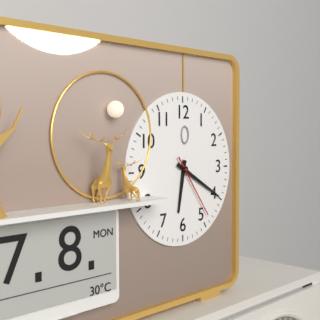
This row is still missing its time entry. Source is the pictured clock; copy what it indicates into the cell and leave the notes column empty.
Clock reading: 6:20:24
